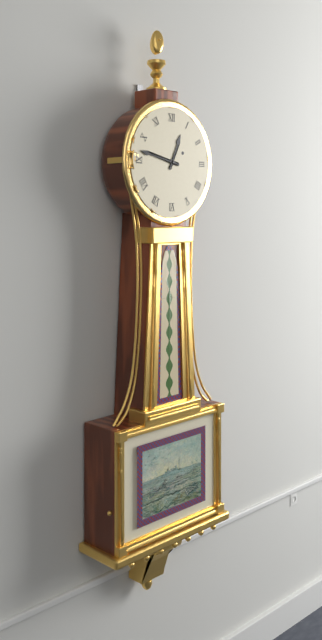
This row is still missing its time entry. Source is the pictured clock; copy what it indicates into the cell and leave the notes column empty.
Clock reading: 12:47
